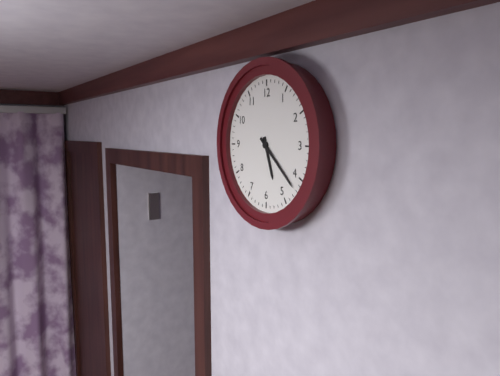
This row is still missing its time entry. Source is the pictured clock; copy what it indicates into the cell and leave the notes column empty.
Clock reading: 5:22
